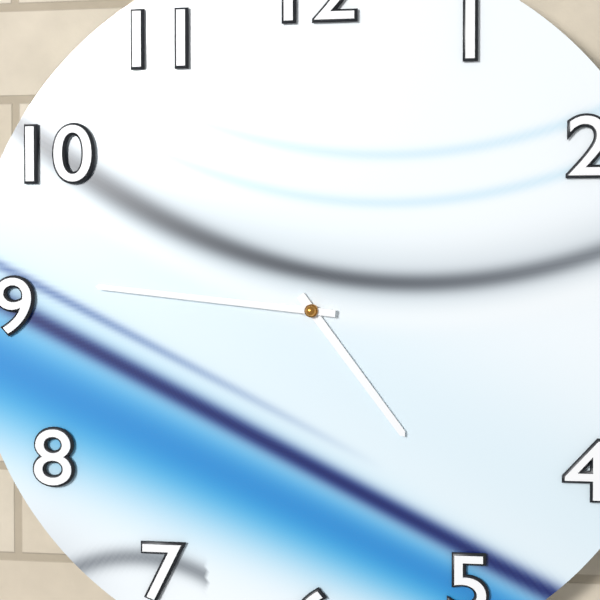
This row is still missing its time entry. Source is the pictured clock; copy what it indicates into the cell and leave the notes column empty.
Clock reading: 4:46
